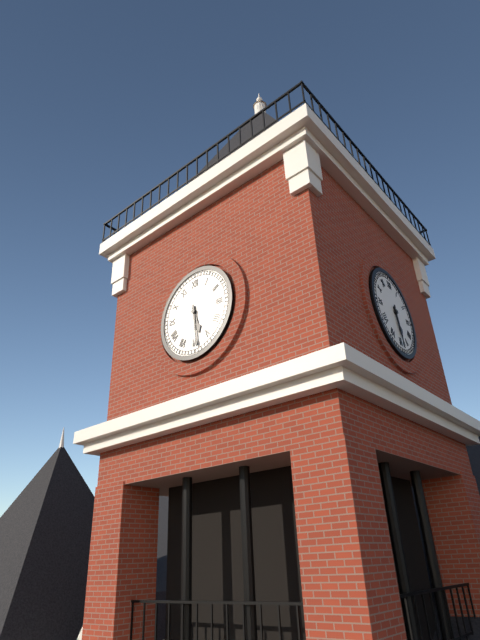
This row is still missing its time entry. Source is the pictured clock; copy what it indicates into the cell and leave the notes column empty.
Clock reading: 5:29
